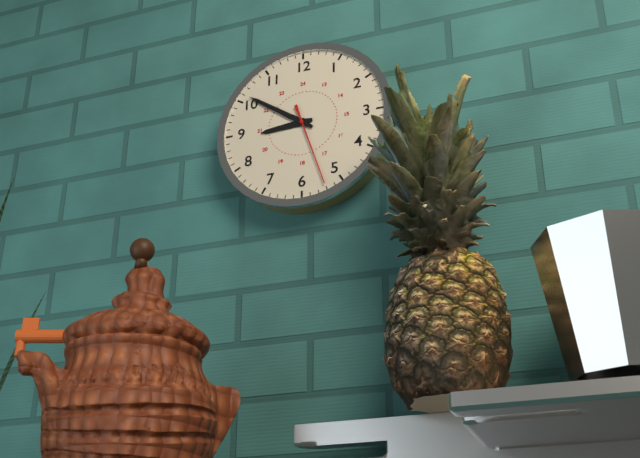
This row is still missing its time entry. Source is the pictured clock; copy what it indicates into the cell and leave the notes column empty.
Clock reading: 8:51:27
